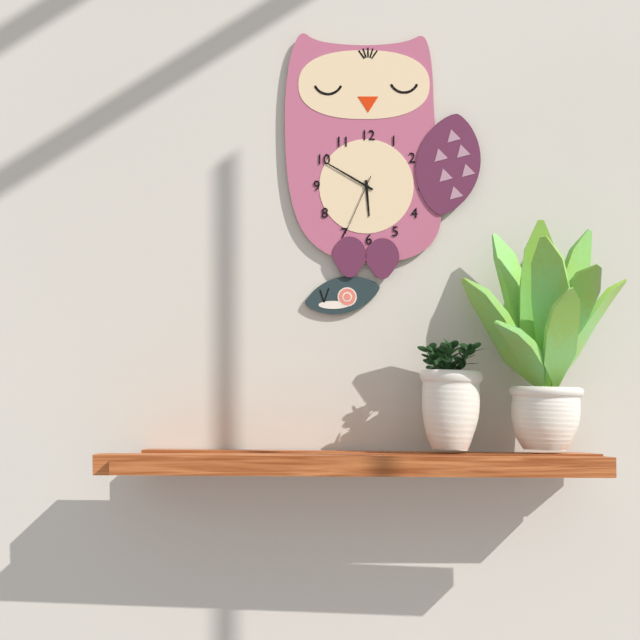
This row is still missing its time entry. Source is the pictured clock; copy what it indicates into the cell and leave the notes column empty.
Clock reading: 5:50:34
